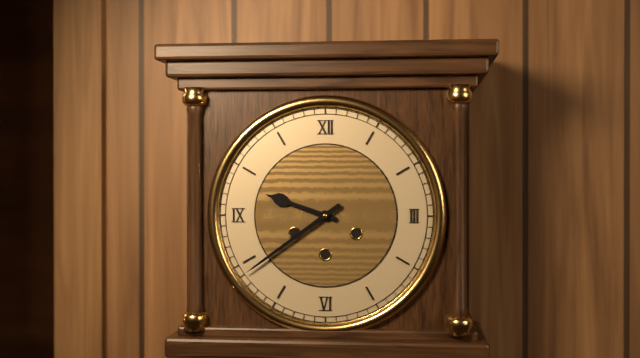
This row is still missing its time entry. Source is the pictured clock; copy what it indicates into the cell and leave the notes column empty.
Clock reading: 9:39
